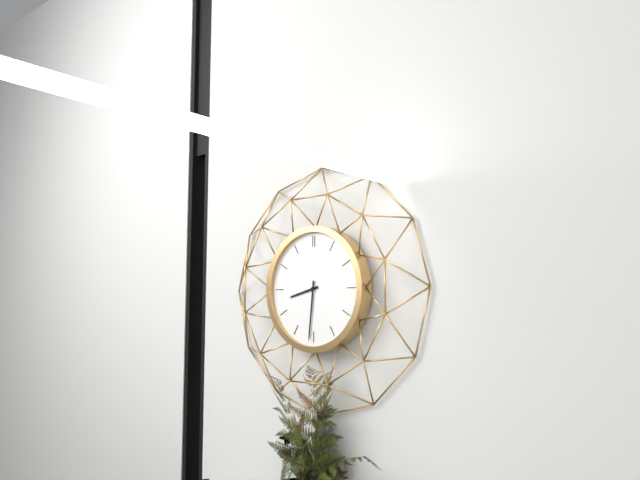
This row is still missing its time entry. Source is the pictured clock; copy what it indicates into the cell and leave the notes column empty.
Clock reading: 8:31
